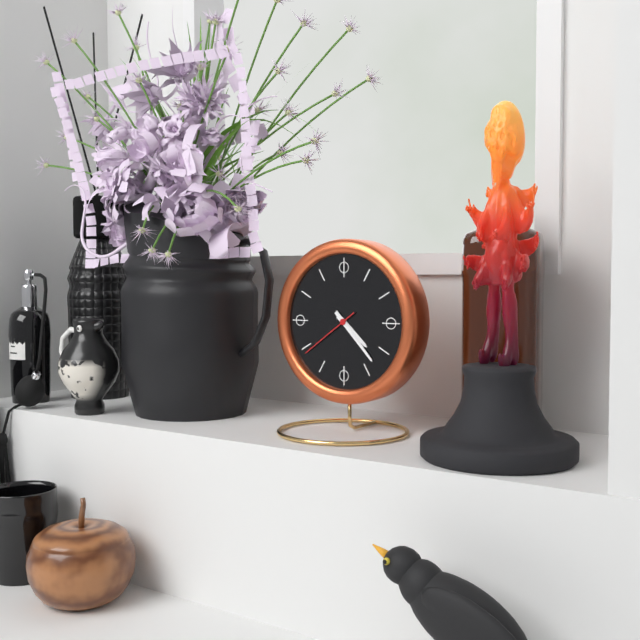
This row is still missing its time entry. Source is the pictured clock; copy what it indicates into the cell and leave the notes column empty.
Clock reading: 4:23:39
